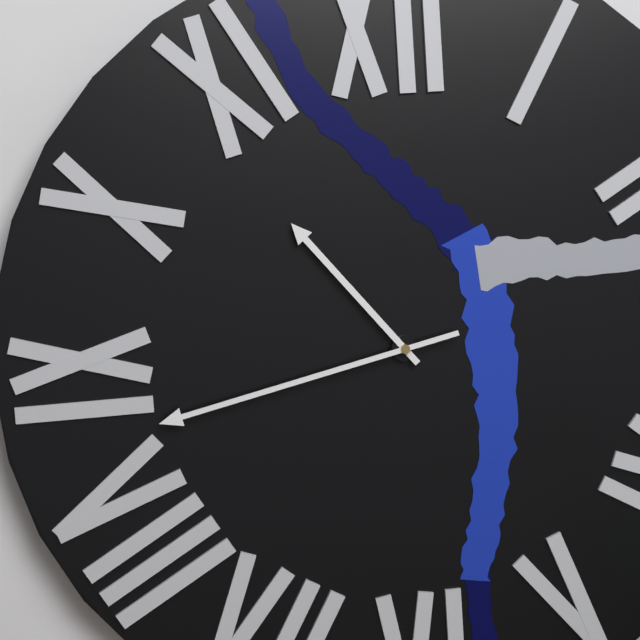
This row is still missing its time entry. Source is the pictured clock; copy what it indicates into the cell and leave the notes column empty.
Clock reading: 10:43
